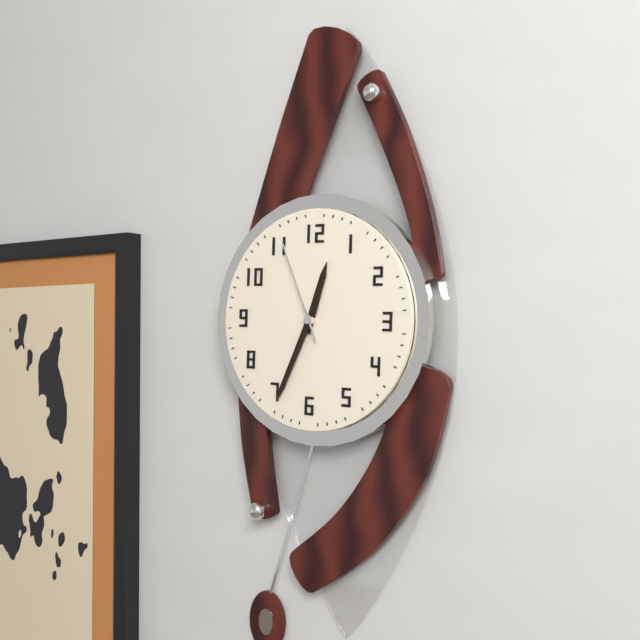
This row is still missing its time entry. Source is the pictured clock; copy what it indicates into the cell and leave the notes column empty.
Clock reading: 12:34:56
